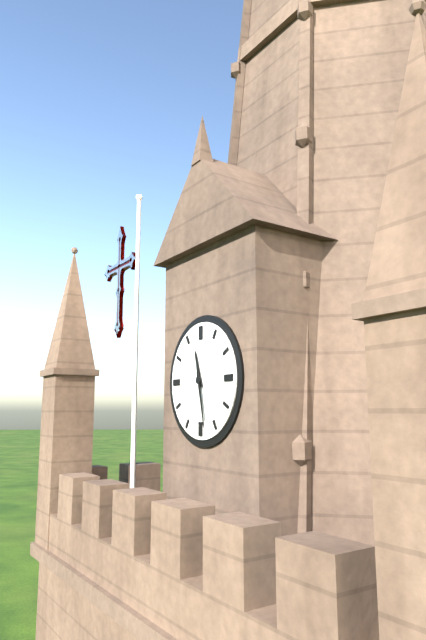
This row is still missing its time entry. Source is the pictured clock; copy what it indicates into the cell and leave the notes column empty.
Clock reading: 11:28
